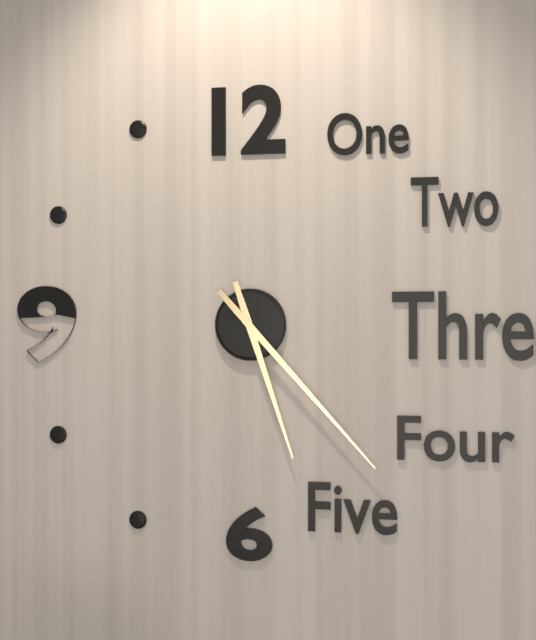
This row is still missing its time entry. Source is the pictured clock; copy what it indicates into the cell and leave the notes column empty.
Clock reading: 5:23
